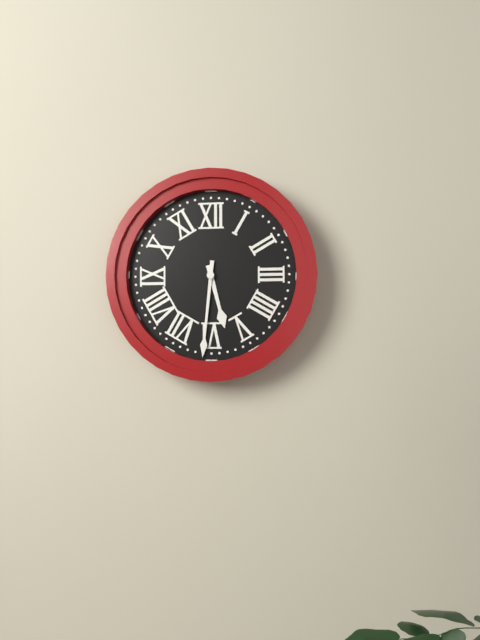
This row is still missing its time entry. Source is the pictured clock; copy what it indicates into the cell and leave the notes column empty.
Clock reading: 5:31
